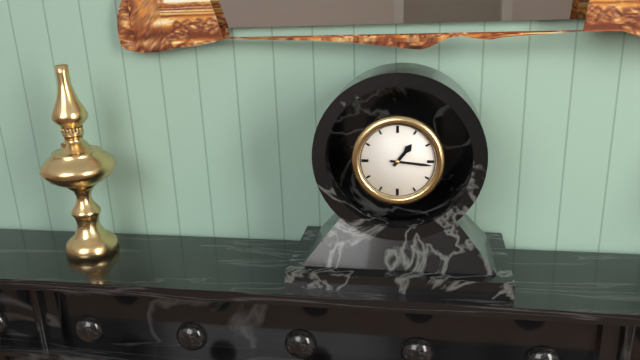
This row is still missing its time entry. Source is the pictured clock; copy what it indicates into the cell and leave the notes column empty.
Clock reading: 1:16
